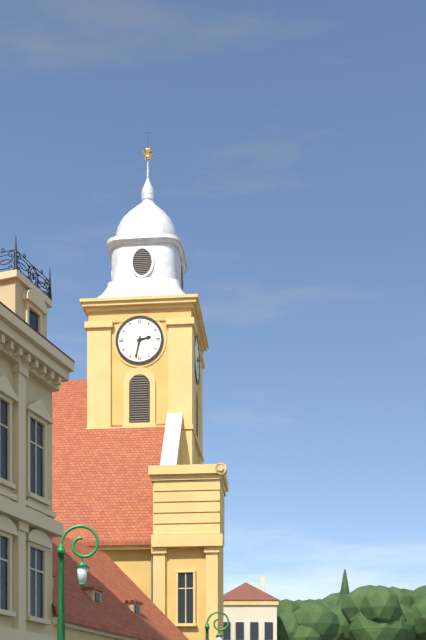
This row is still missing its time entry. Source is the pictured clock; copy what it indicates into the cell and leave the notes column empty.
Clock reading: 2:32
